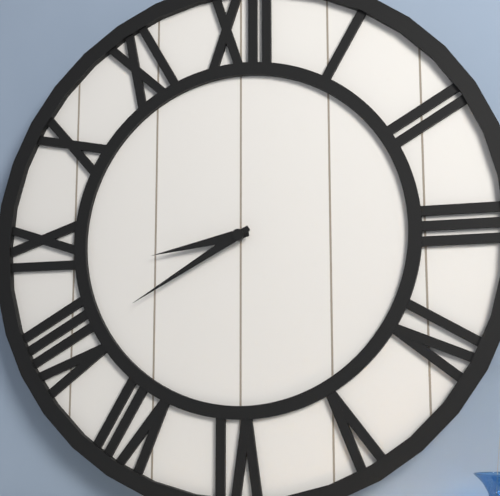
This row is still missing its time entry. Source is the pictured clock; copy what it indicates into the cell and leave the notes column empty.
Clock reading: 8:40
